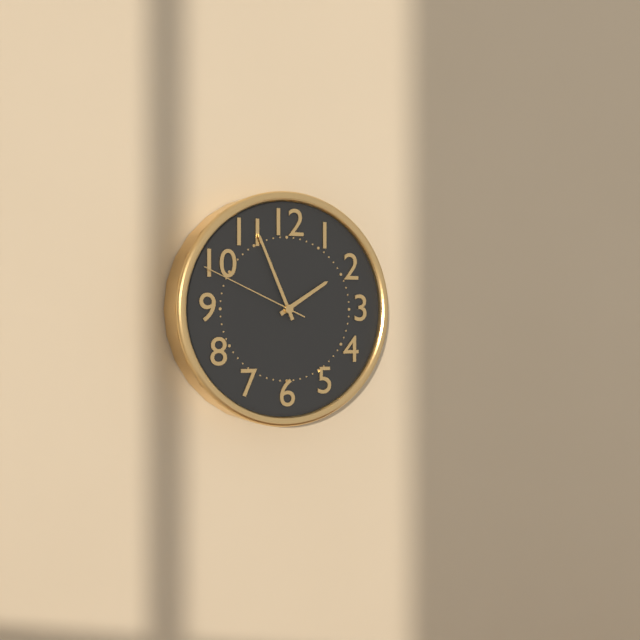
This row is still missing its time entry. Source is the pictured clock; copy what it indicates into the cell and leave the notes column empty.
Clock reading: 1:56:49
